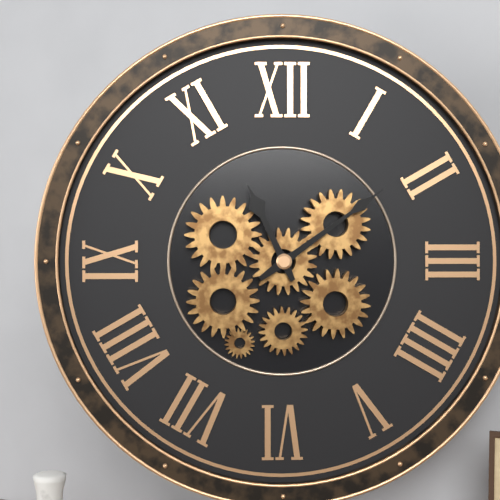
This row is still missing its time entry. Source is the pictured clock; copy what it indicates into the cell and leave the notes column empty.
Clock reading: 11:09
